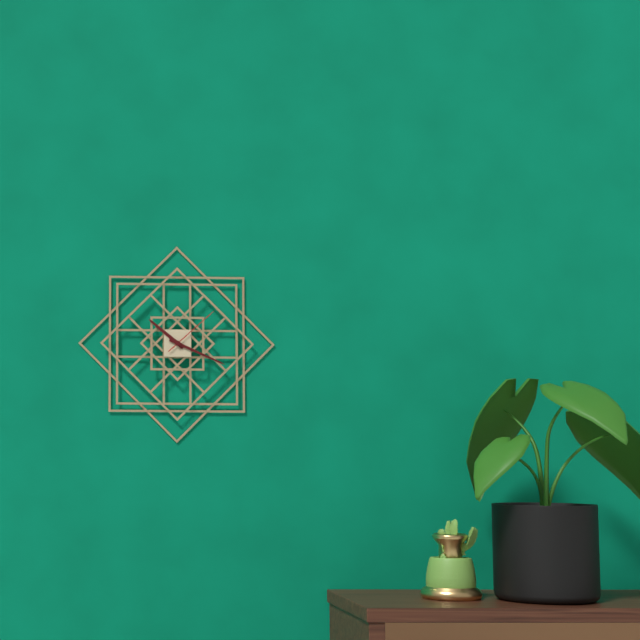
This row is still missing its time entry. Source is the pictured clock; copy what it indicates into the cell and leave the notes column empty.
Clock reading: 10:19:08
